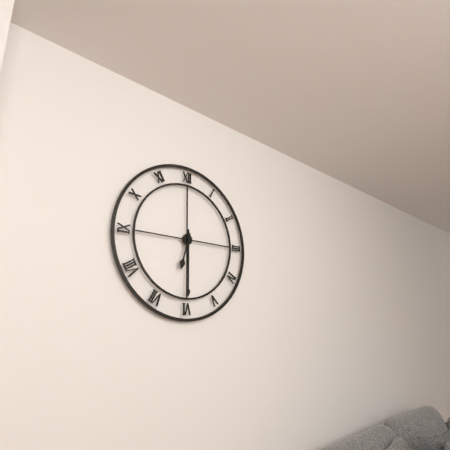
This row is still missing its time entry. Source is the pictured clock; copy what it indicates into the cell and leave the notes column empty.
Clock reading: 6:30
